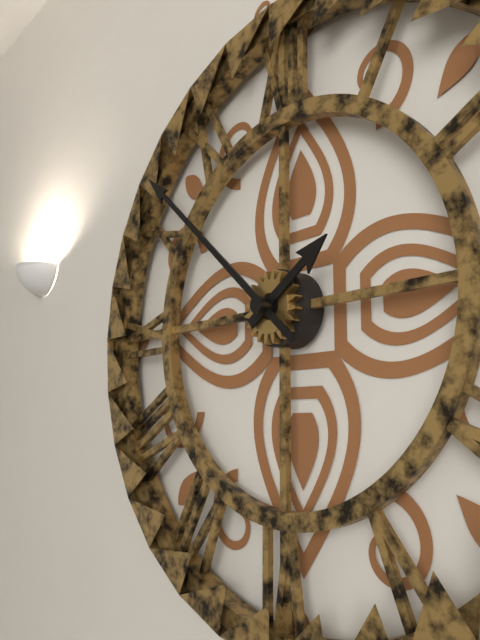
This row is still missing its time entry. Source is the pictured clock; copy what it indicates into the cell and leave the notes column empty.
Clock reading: 1:52
